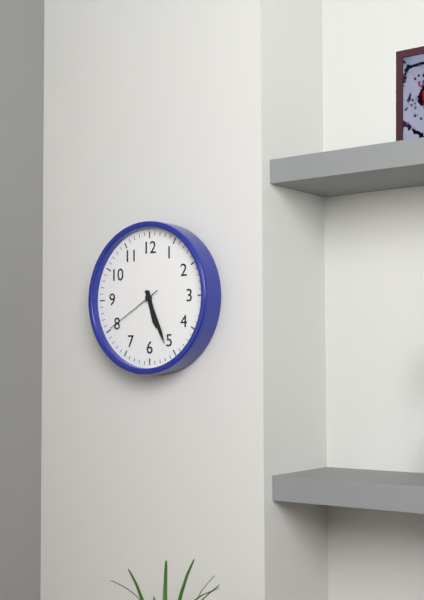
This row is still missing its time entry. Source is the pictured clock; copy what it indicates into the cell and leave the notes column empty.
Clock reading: 5:26:40
